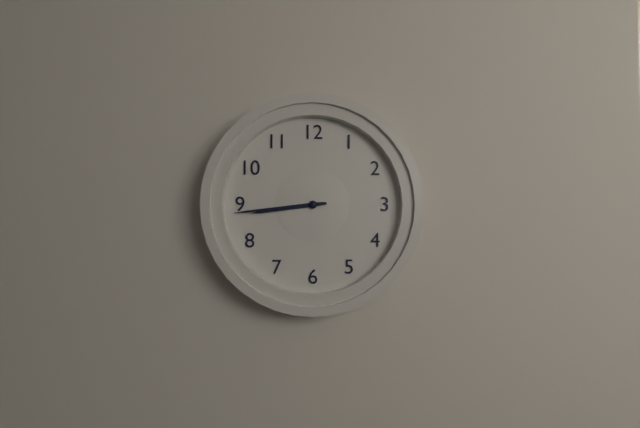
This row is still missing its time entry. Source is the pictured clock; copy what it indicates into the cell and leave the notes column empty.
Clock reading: 8:44
